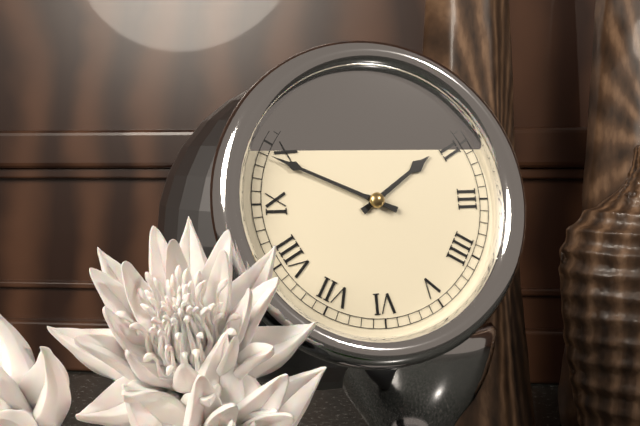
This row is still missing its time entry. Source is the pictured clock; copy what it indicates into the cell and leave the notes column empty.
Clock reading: 1:49
